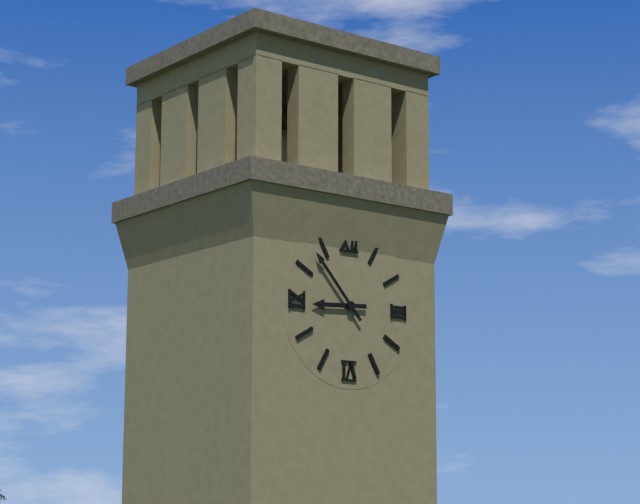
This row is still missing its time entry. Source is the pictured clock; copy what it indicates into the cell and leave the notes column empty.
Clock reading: 8:53
